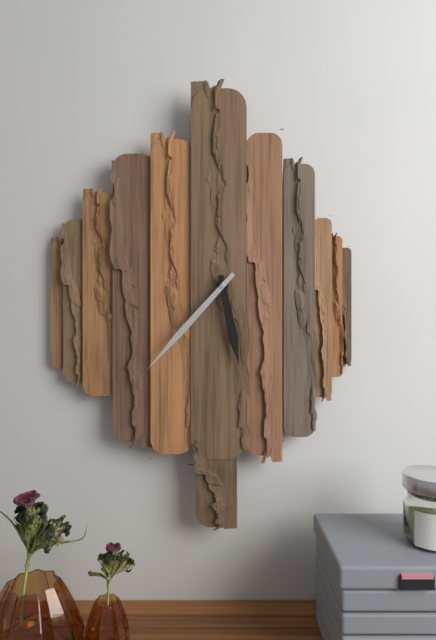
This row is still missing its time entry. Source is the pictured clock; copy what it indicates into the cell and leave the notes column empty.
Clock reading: 5:37
